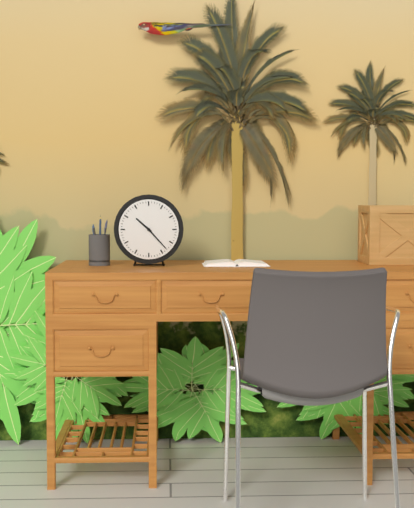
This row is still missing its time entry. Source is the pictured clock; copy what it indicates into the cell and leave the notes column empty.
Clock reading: 10:23
